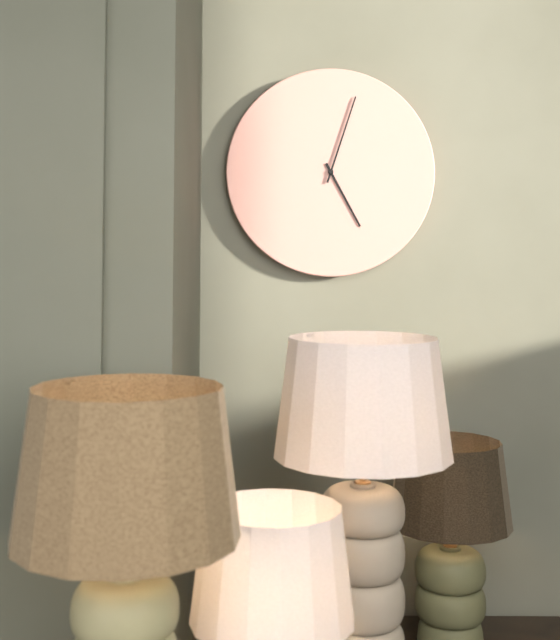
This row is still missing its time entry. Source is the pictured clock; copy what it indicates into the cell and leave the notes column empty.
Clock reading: 5:03
